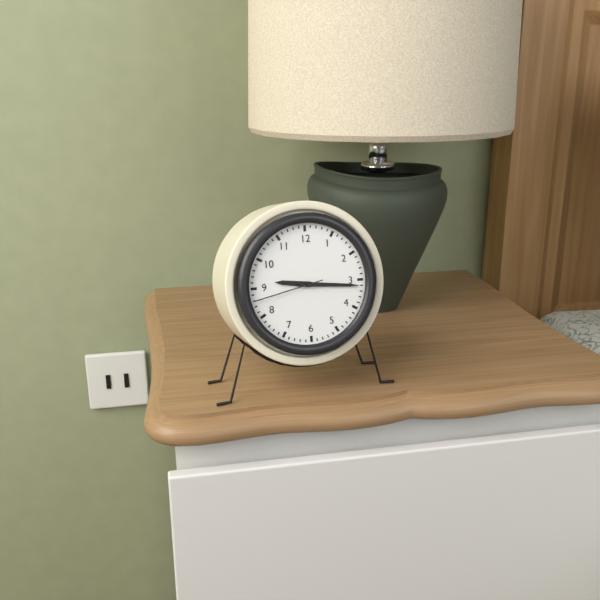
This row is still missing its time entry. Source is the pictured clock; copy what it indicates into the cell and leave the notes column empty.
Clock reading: 9:16:43
